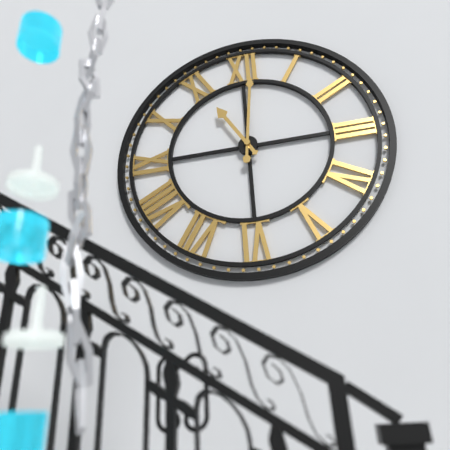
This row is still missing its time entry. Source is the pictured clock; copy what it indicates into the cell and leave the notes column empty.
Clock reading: 11:01
